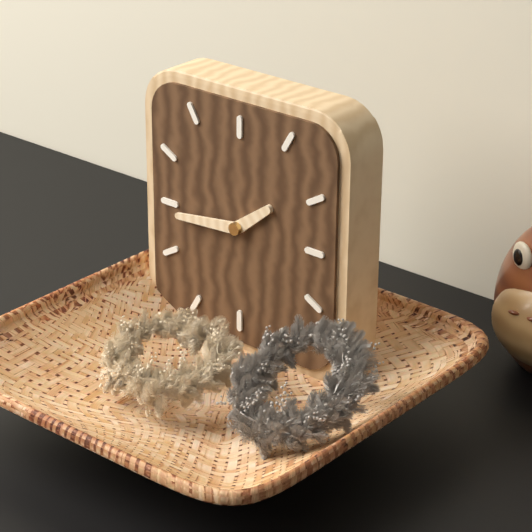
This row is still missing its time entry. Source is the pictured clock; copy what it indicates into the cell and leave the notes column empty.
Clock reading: 1:44
